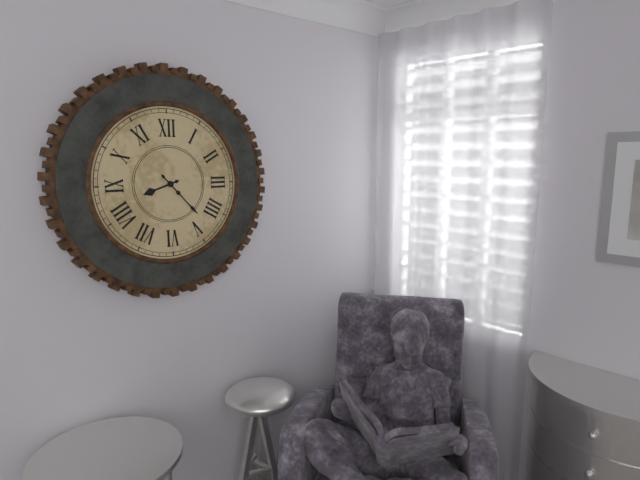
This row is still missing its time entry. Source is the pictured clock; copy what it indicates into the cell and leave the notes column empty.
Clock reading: 8:23
